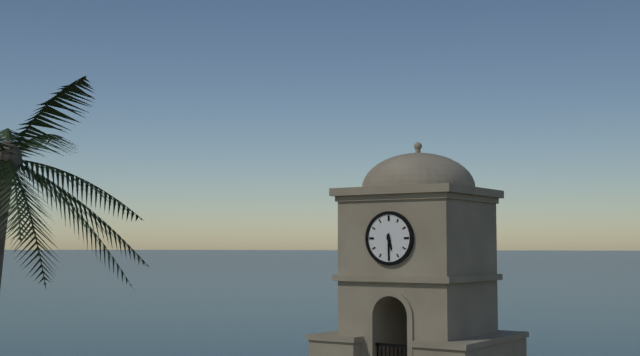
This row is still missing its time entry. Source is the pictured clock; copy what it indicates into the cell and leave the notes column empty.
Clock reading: 5:30
